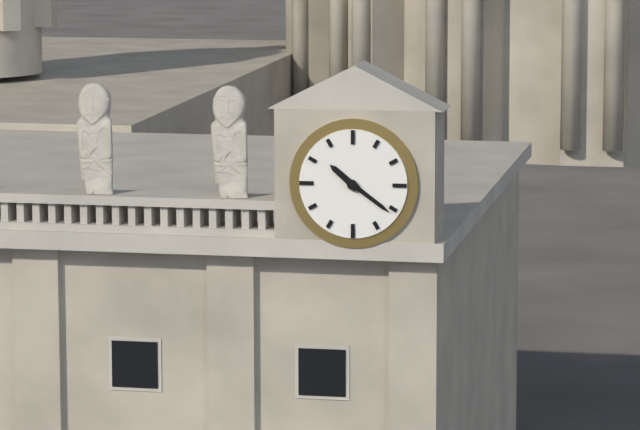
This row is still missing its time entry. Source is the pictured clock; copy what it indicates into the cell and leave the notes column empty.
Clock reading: 10:21
